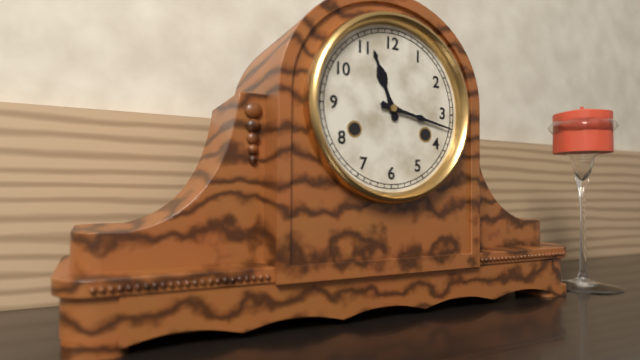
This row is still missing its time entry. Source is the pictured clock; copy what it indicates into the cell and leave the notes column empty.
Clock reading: 11:17
